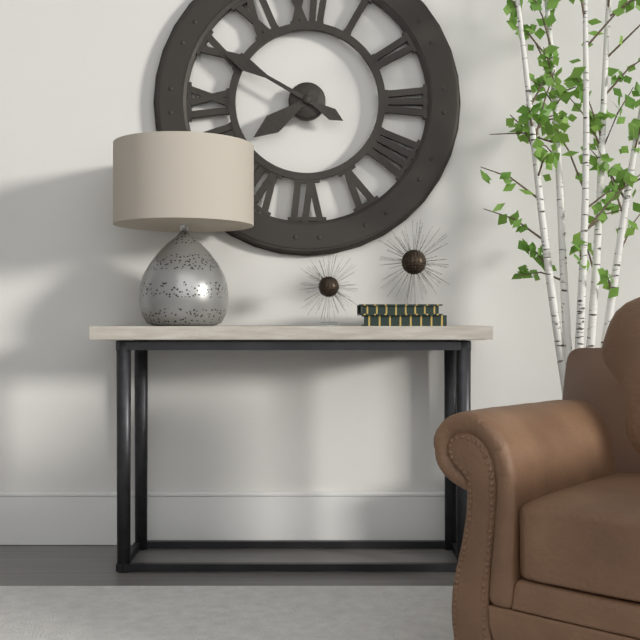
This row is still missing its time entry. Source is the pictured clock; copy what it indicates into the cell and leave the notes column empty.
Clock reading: 7:50
